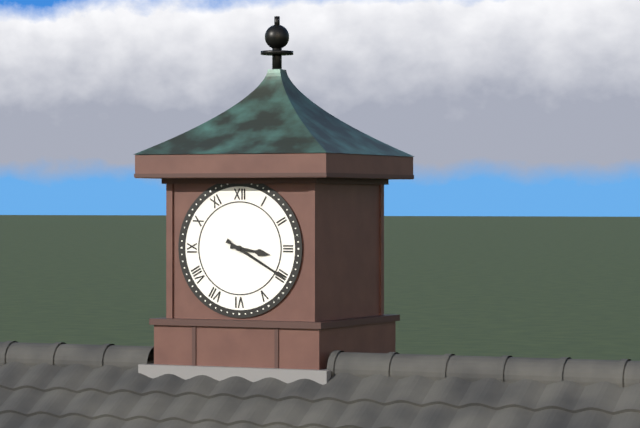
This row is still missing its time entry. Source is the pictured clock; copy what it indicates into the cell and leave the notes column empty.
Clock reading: 3:20
